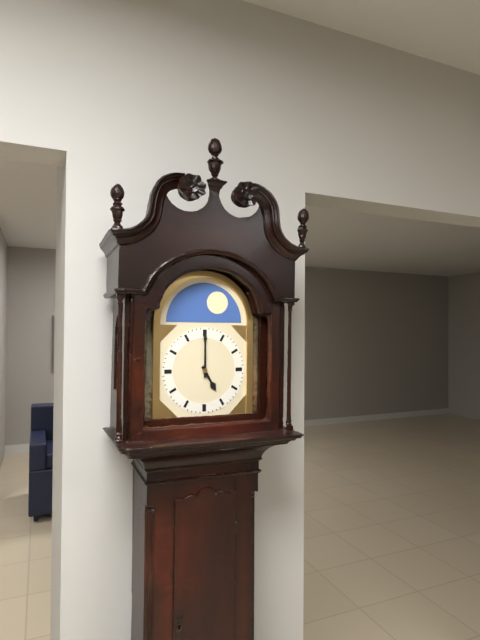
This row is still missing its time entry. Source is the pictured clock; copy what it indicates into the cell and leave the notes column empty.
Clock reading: 5:00
